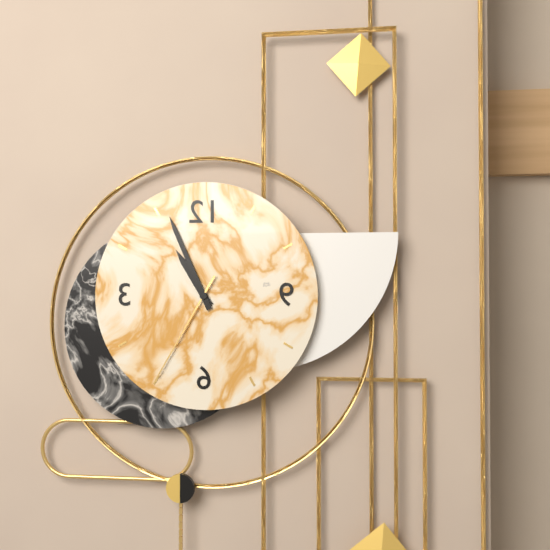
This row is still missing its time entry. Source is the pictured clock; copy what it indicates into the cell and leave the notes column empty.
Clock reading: 10:56:35
